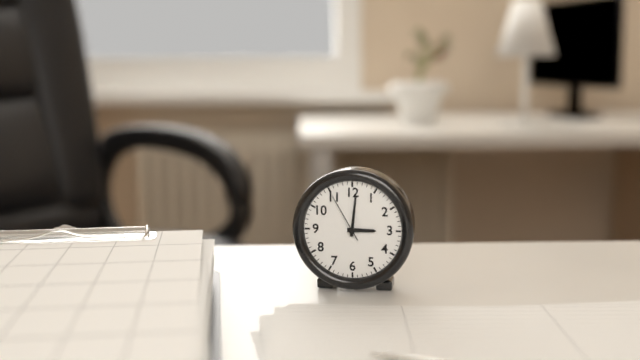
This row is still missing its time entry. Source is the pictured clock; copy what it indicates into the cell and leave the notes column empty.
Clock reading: 3:01:55
